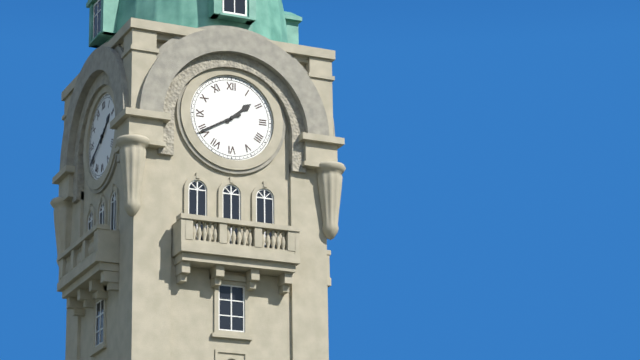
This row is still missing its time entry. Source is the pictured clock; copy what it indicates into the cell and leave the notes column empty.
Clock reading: 1:40
